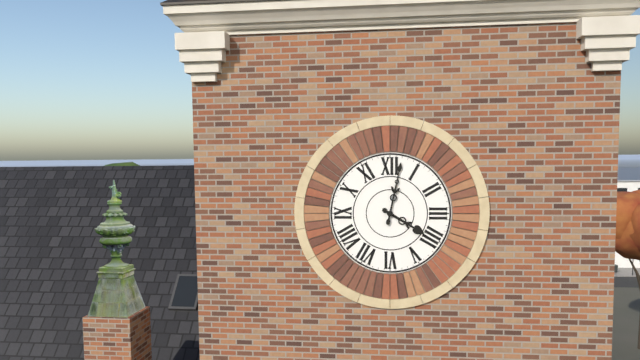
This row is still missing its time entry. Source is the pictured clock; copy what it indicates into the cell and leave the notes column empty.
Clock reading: 4:02
